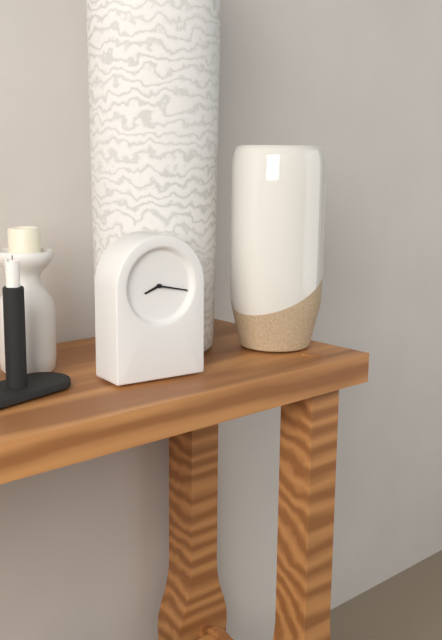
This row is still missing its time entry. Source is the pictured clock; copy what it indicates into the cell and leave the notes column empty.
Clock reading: 8:17
